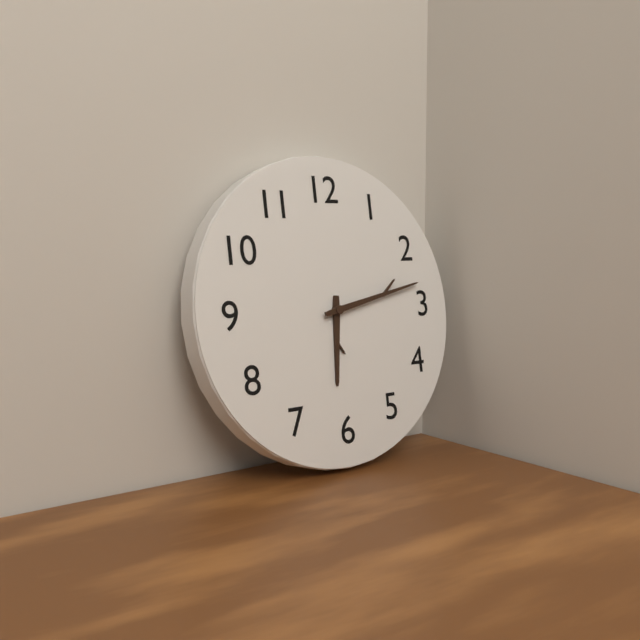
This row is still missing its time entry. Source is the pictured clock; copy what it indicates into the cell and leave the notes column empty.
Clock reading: 6:13
